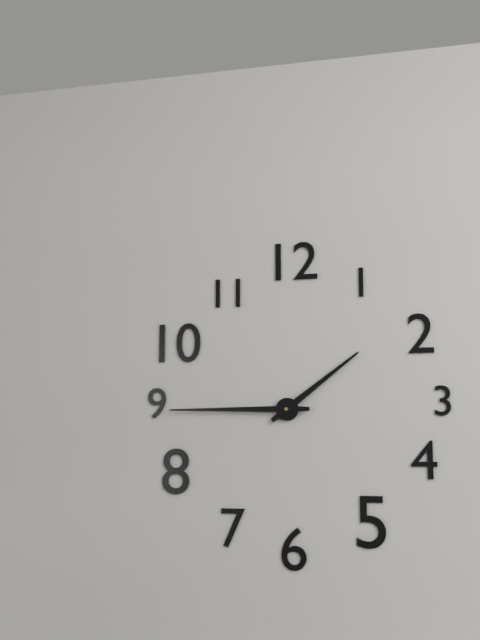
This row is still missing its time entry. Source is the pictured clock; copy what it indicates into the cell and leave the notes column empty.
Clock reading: 1:45
